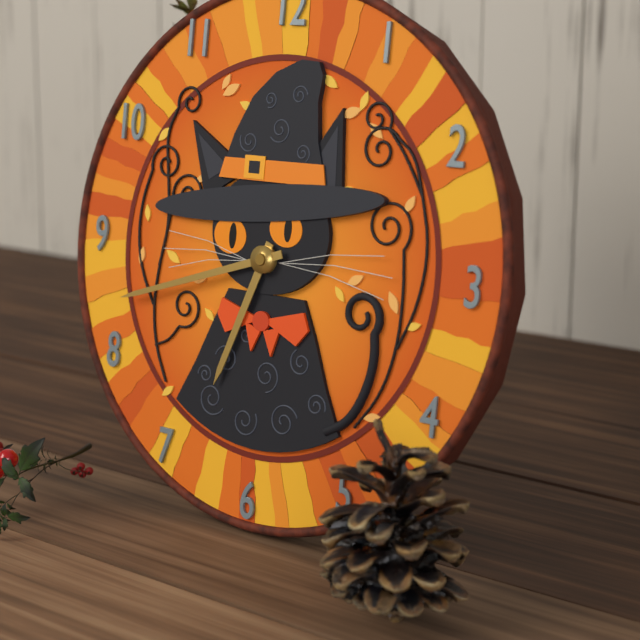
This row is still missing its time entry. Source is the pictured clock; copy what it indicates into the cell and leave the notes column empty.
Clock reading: 6:42
